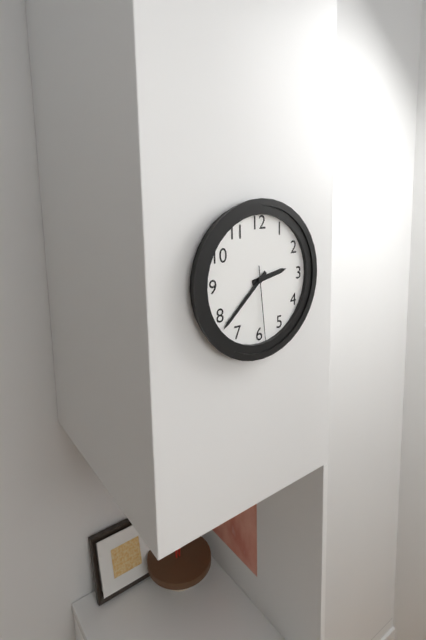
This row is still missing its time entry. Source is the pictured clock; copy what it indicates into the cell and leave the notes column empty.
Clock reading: 2:38:29
